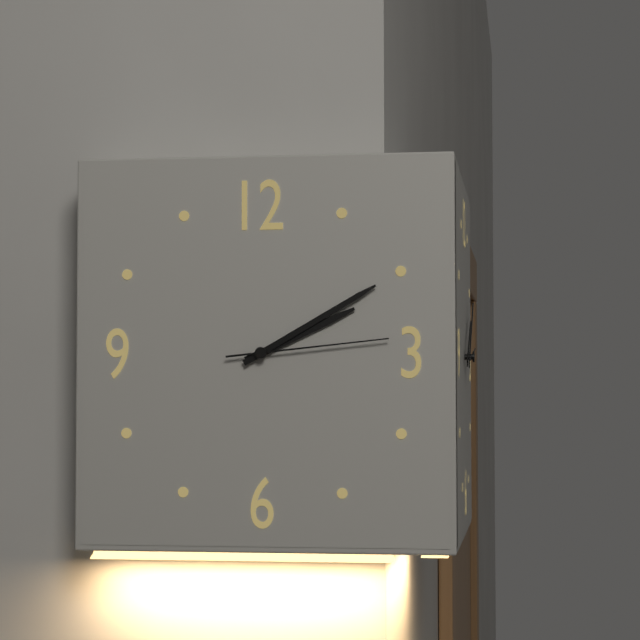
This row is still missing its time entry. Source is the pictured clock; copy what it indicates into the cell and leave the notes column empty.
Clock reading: 2:10:14
